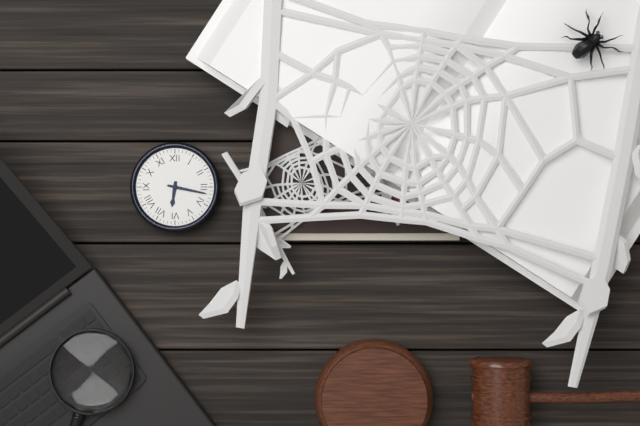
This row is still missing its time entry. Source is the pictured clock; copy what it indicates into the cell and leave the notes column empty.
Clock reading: 6:17
